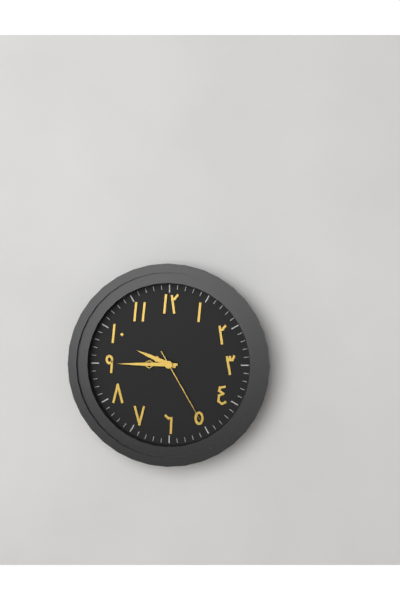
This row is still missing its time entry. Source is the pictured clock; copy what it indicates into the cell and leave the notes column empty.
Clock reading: 9:45:25
